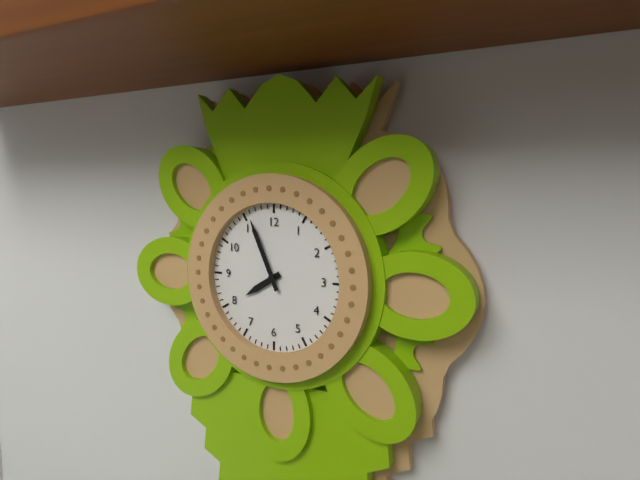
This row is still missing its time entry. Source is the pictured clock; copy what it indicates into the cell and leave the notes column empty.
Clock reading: 7:56
